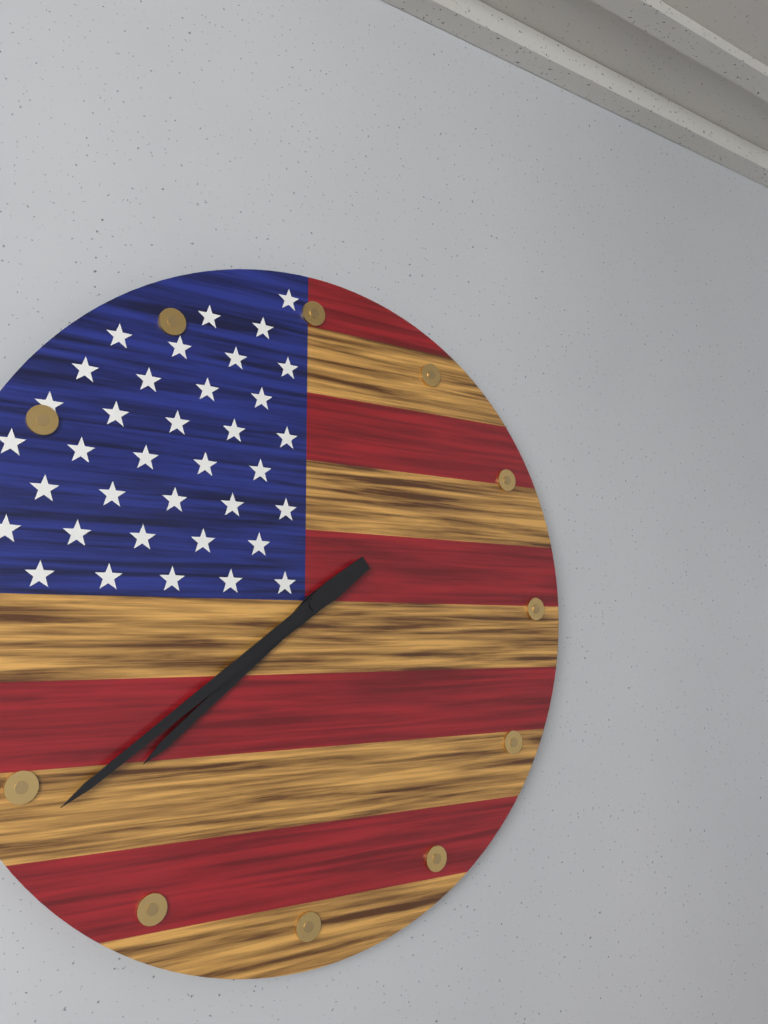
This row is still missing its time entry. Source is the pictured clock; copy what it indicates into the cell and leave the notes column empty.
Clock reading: 7:39
